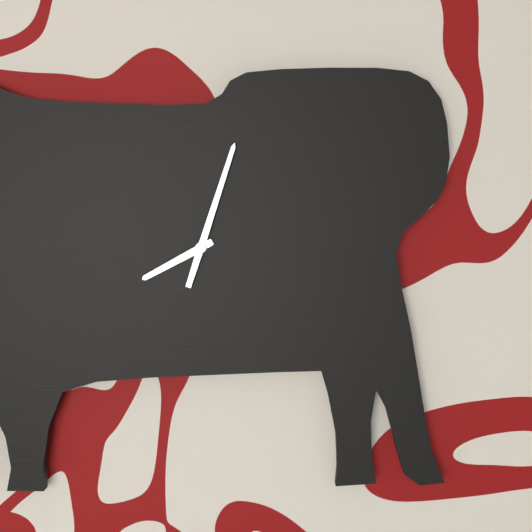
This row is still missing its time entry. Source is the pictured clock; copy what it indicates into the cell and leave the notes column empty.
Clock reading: 8:03
